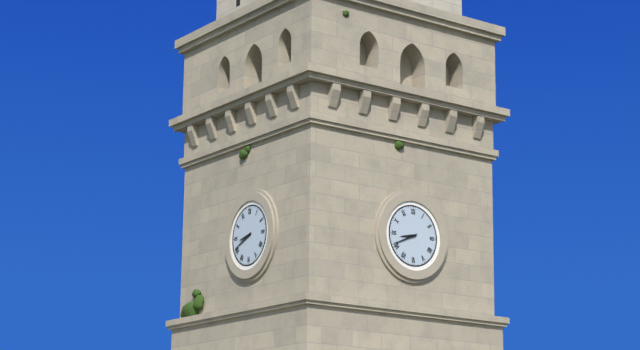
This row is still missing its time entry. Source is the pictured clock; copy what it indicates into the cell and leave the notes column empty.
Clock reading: 8:41
